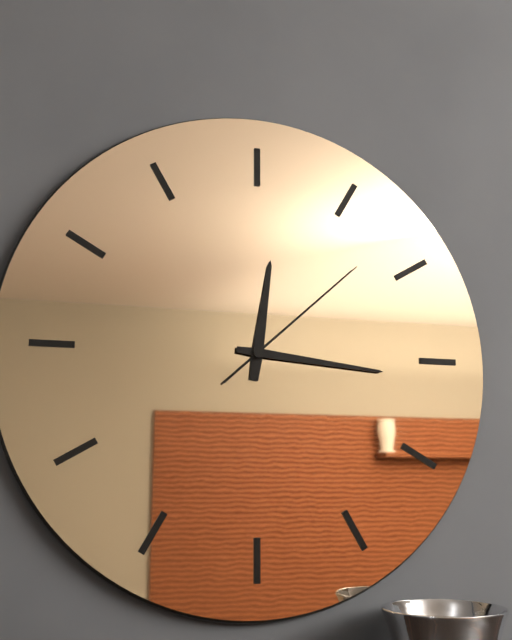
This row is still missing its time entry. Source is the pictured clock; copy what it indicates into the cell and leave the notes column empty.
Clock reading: 12:16:08
